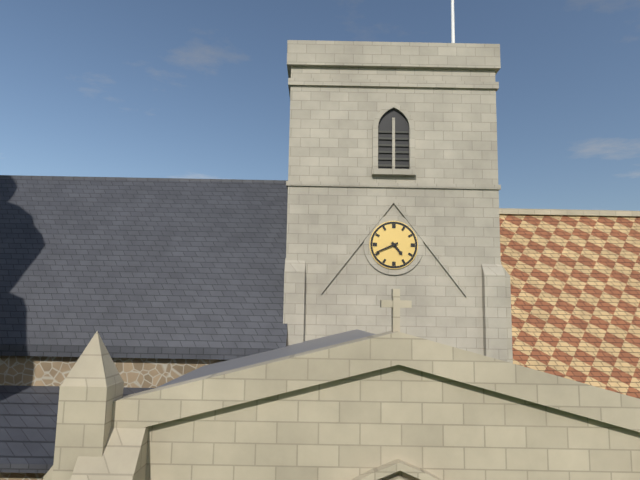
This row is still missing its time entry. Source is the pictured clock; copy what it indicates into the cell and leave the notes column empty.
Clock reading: 4:41
